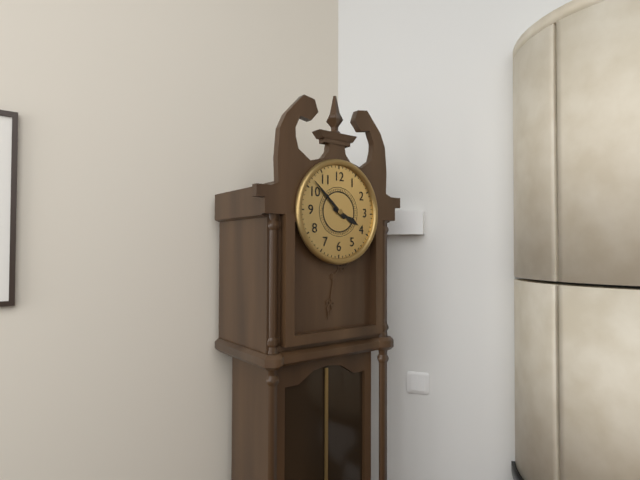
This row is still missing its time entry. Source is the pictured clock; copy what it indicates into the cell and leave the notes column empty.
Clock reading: 3:52
